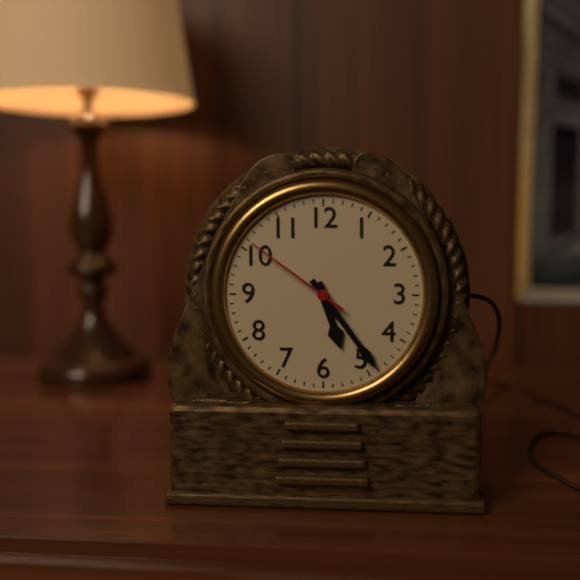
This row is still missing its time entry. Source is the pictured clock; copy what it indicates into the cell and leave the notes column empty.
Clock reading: 5:24:51
